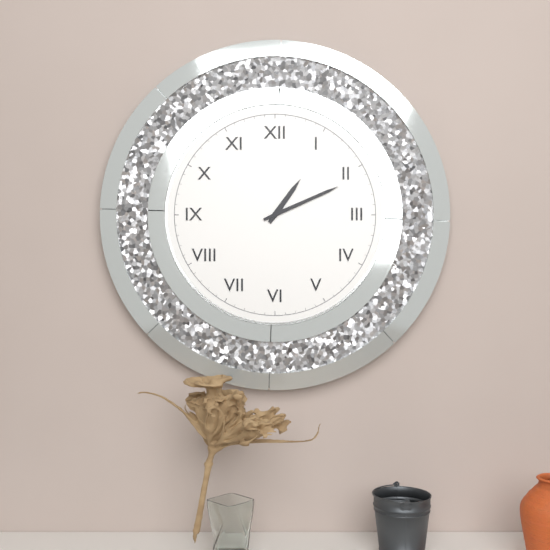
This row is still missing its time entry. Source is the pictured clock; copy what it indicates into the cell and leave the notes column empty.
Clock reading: 1:11
